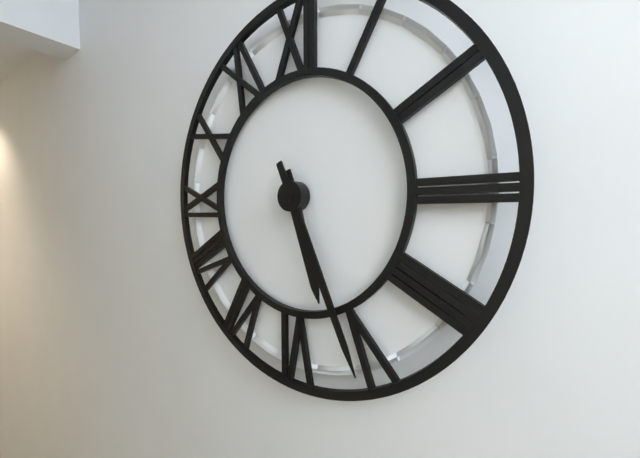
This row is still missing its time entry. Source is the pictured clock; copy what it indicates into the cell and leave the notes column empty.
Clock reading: 5:26
